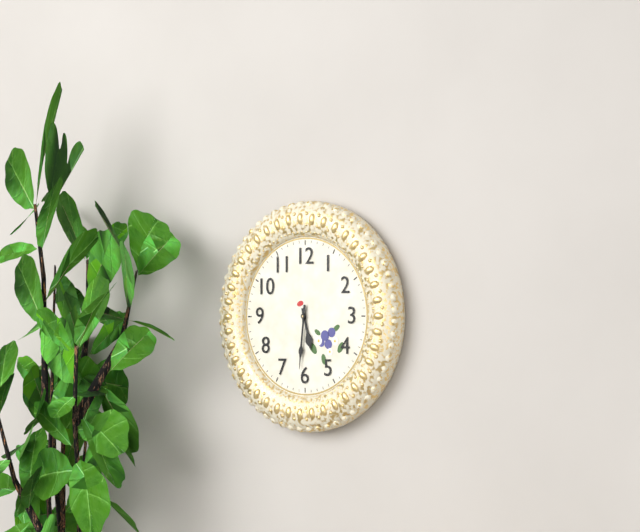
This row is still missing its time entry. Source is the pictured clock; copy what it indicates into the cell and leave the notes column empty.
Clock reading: 5:31
